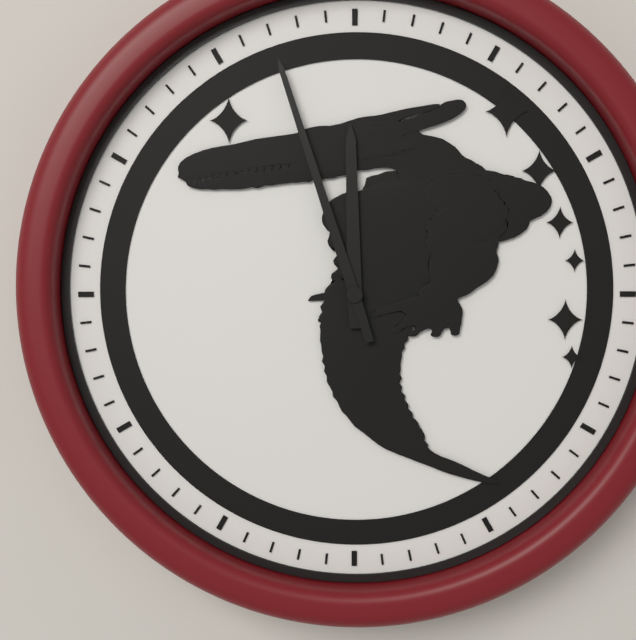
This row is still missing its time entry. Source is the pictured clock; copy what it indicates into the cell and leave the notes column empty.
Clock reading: 11:57
